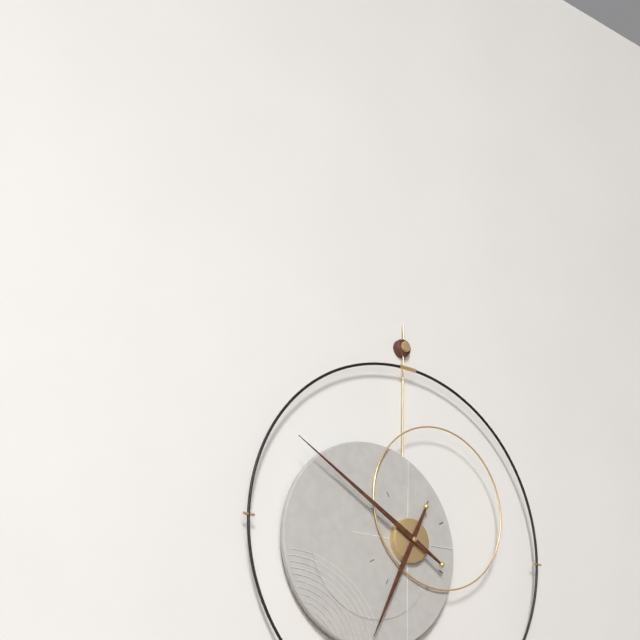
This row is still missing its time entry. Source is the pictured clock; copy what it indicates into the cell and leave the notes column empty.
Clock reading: 6:50
